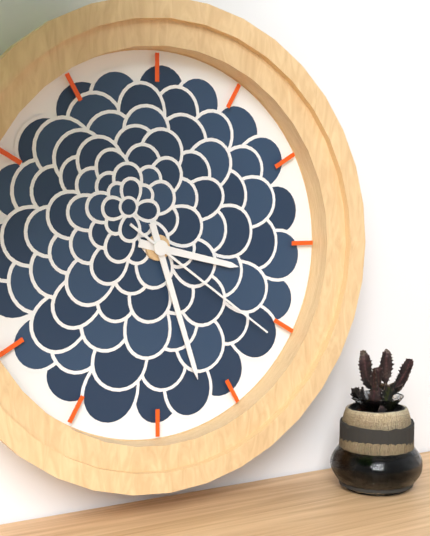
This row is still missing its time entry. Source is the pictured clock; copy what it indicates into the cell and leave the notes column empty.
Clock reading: 3:27:21
